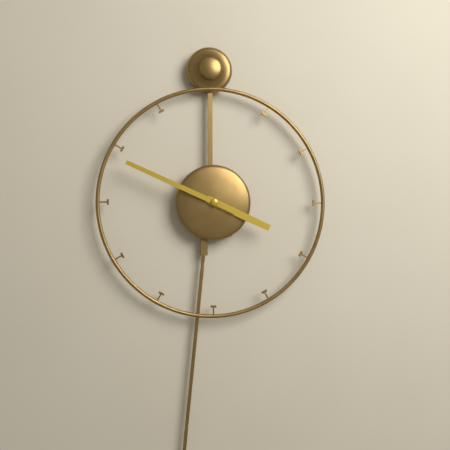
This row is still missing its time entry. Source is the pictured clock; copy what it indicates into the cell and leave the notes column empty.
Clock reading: 3:49
